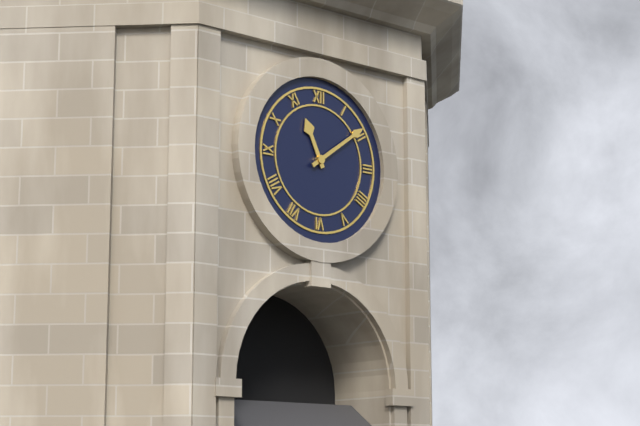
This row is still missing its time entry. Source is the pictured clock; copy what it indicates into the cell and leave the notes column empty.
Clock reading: 11:09
